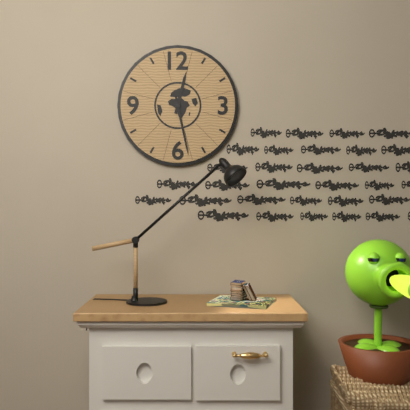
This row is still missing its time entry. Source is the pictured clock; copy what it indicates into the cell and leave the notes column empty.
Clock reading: 12:28
